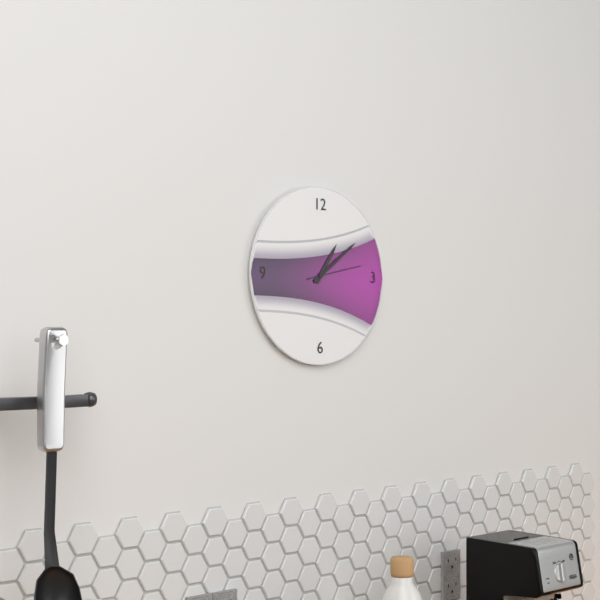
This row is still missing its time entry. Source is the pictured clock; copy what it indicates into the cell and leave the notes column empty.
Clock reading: 1:09:13
